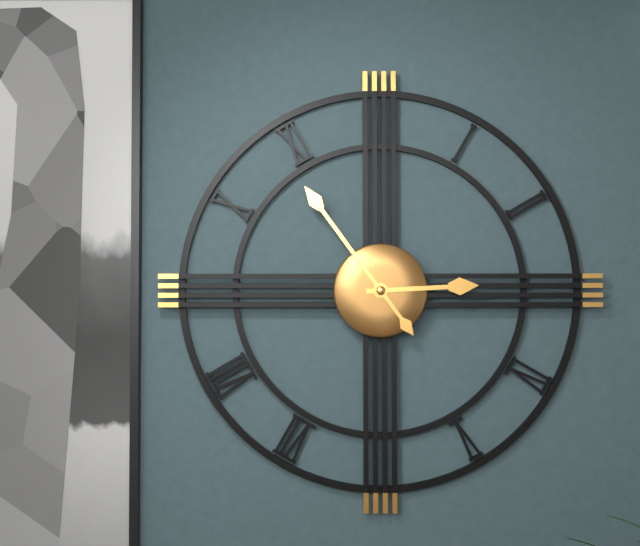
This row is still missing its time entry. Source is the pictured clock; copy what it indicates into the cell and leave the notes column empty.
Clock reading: 2:54
